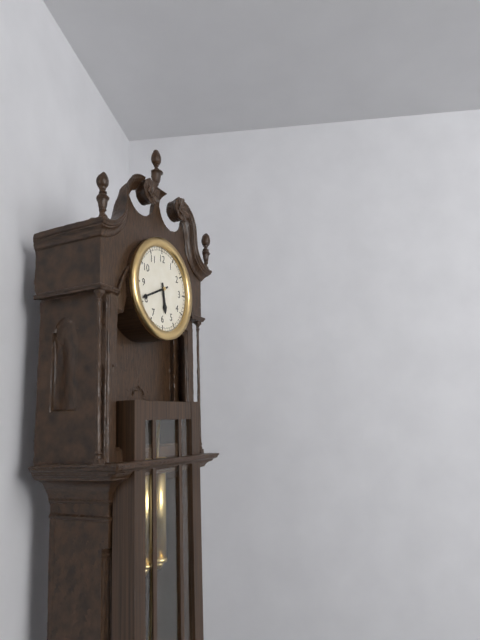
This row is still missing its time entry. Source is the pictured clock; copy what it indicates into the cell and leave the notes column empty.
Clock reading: 5:41
